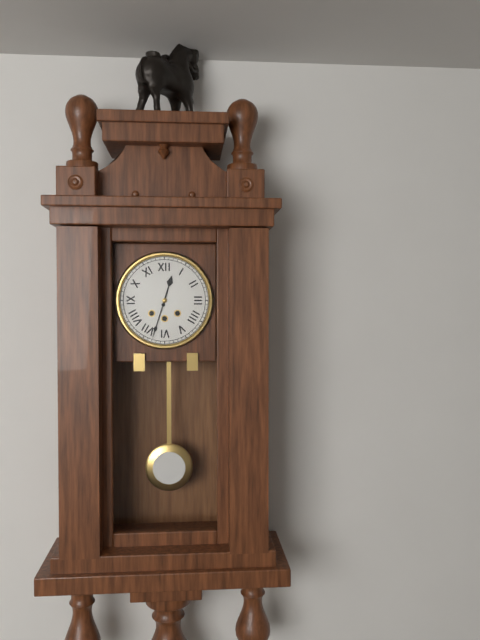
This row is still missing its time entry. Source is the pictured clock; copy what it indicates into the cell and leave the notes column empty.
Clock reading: 12:33
